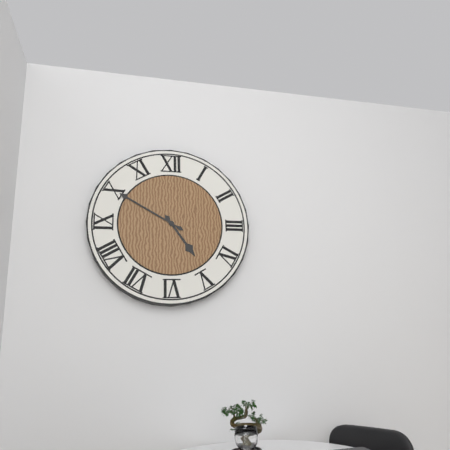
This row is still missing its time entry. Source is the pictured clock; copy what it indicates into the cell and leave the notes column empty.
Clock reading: 4:50
